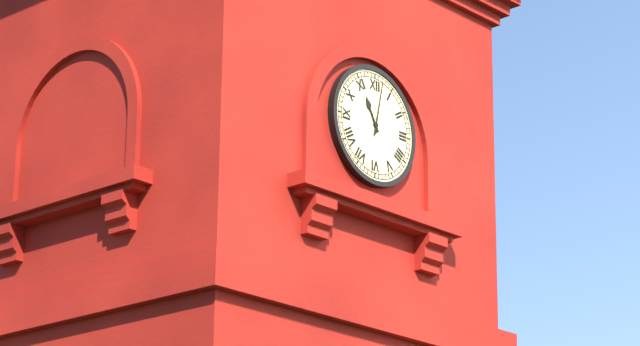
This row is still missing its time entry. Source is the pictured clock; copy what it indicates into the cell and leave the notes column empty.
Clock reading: 11:02
